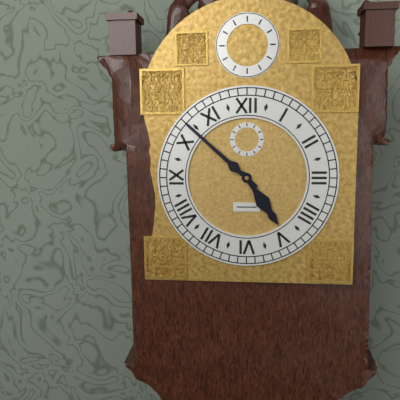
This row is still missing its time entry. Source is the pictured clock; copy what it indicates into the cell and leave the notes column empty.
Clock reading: 4:52
